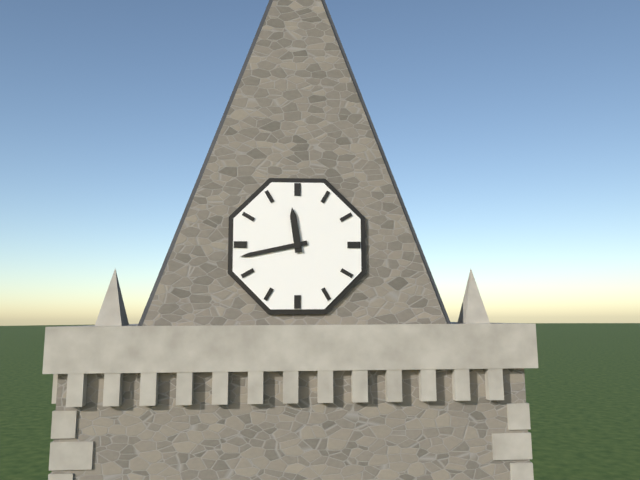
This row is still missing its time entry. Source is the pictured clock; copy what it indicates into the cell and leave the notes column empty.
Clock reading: 11:43
